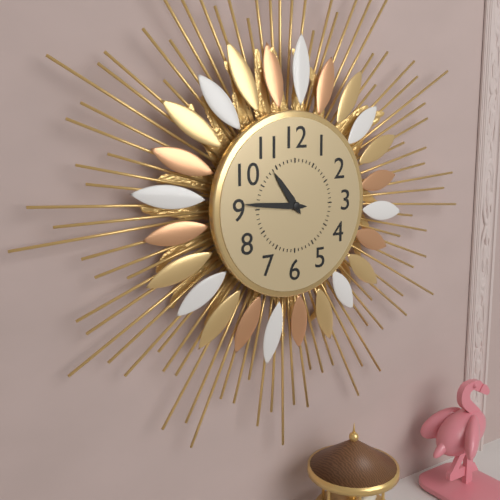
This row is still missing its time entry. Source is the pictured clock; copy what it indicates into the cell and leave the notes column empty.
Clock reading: 10:46
